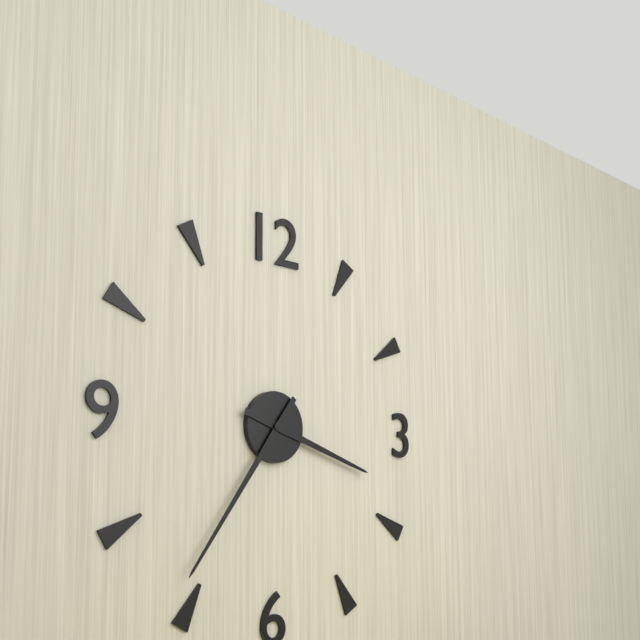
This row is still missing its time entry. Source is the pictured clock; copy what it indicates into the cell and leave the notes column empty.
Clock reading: 3:36
